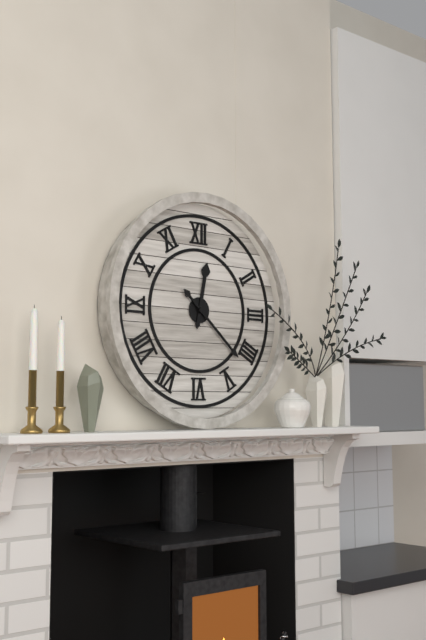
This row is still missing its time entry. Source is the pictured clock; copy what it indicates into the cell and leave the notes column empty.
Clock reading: 12:22
